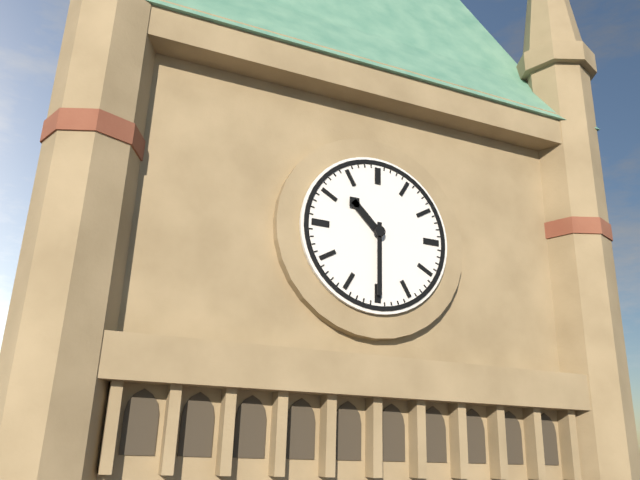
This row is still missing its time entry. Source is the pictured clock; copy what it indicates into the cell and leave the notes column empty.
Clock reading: 10:30
